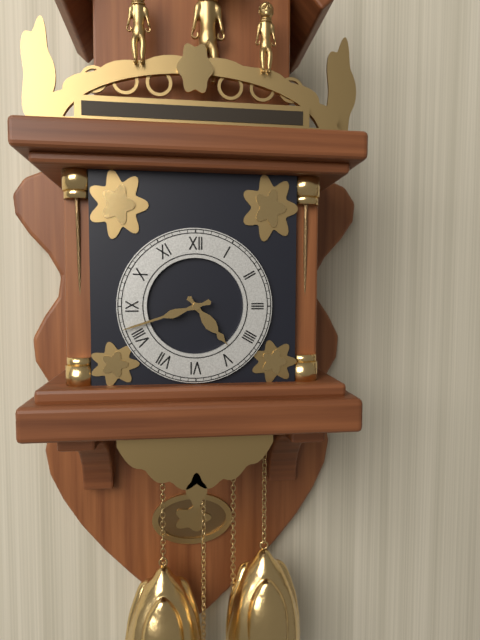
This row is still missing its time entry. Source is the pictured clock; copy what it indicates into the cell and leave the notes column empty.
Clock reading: 4:42
